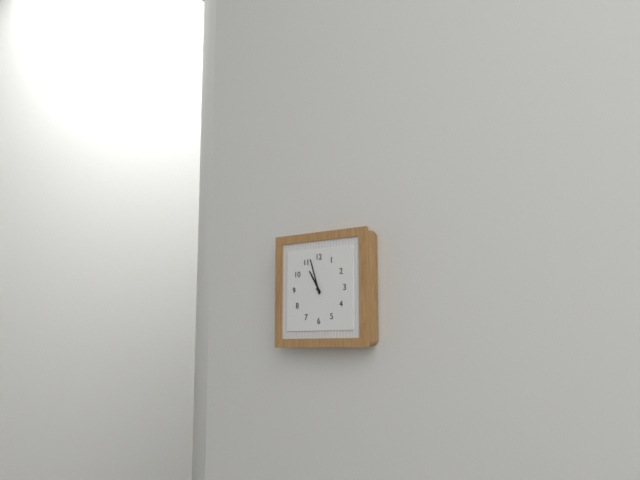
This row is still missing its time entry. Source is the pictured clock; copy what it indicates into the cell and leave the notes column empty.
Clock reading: 10:57
